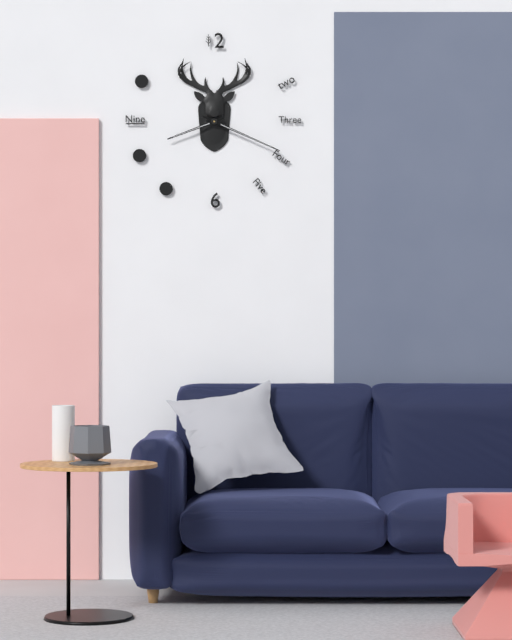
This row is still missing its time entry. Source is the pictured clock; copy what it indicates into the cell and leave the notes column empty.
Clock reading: 8:19
